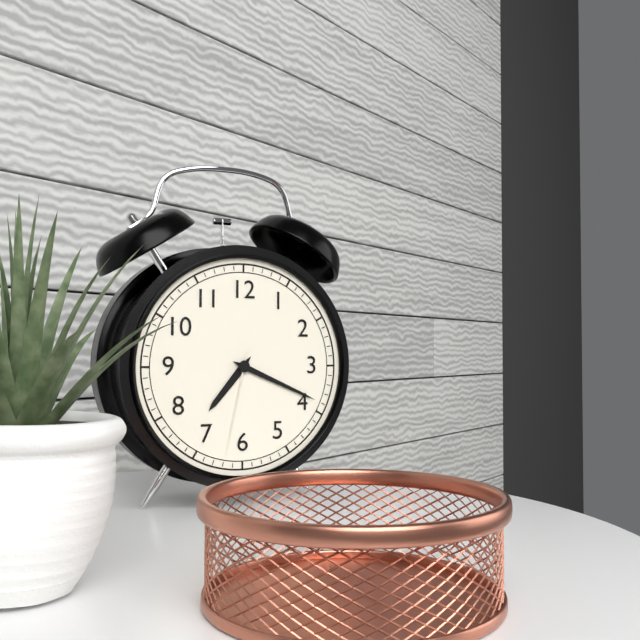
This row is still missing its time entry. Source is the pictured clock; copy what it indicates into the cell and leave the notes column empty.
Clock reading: 7:19:32
